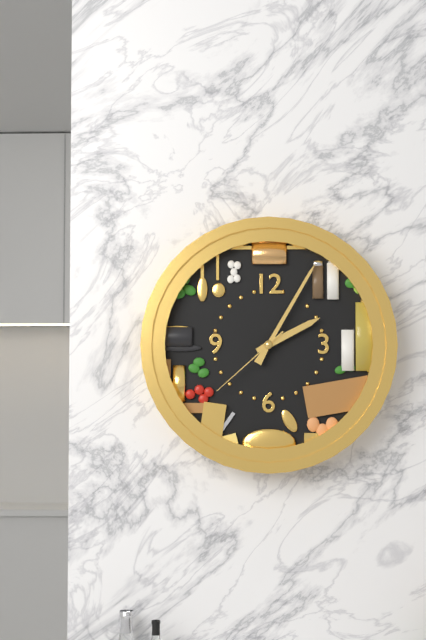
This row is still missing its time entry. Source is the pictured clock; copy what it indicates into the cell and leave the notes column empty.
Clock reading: 2:05:38
